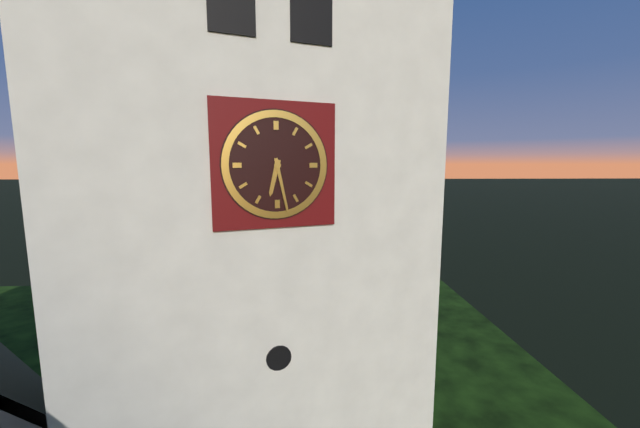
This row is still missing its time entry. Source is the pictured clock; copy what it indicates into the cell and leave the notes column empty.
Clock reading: 6:28
